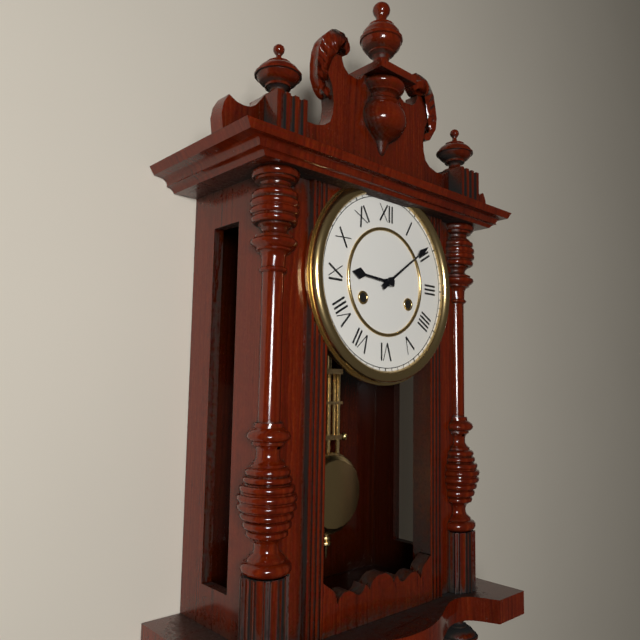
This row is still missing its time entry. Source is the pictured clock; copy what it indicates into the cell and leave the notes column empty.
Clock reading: 9:09
